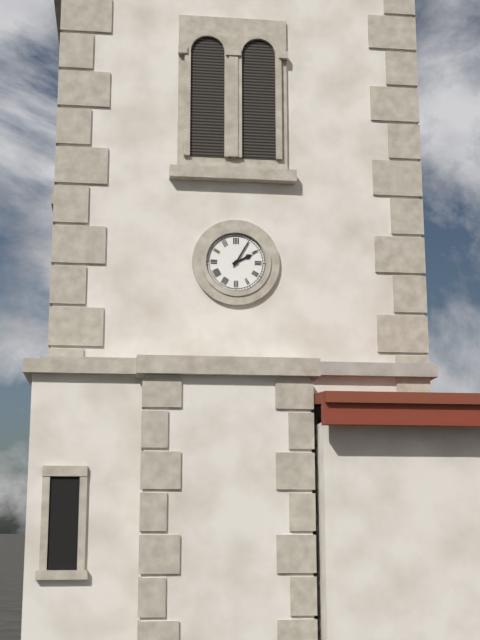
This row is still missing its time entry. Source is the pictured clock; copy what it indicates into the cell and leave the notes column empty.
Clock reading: 2:05
